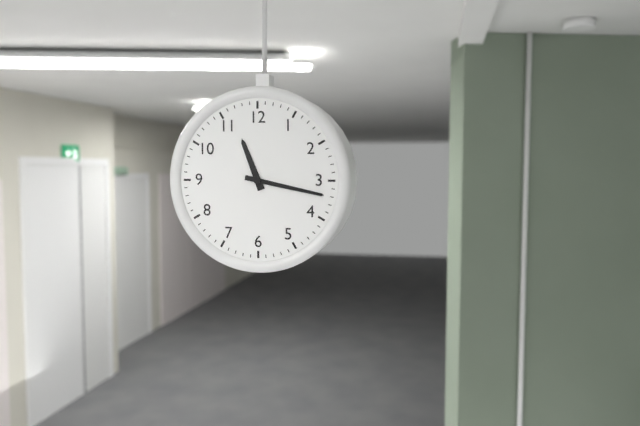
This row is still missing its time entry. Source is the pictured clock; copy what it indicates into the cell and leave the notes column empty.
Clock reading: 11:17
